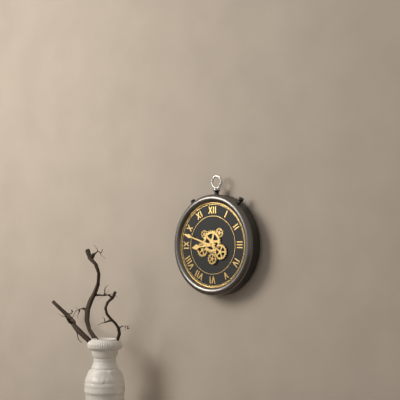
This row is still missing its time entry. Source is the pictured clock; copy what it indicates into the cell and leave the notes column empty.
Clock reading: 8:48
